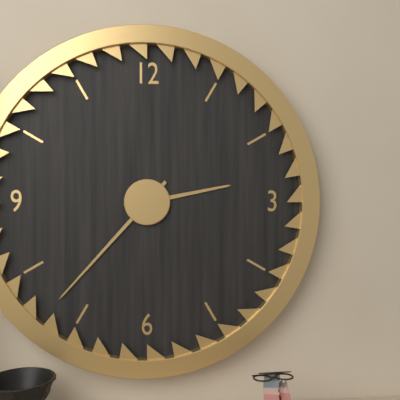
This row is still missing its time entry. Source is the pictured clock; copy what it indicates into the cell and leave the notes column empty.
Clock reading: 2:37
